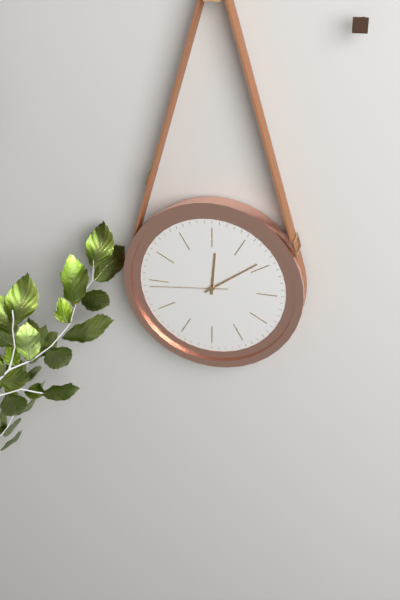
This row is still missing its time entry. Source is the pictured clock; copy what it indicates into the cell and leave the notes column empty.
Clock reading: 12:09:44
